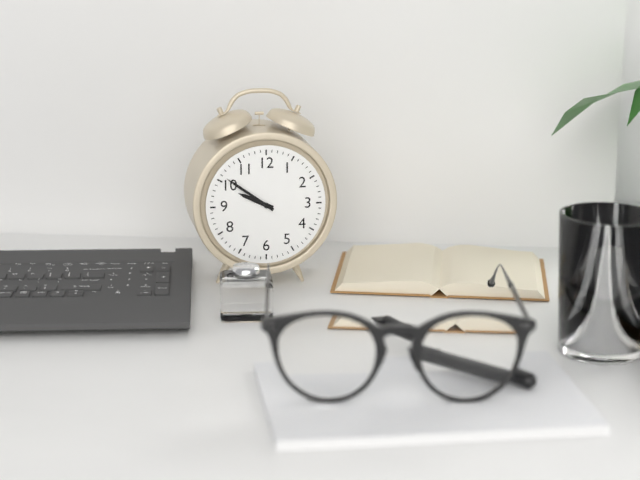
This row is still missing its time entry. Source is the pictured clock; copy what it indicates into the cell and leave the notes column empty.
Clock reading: 9:51
